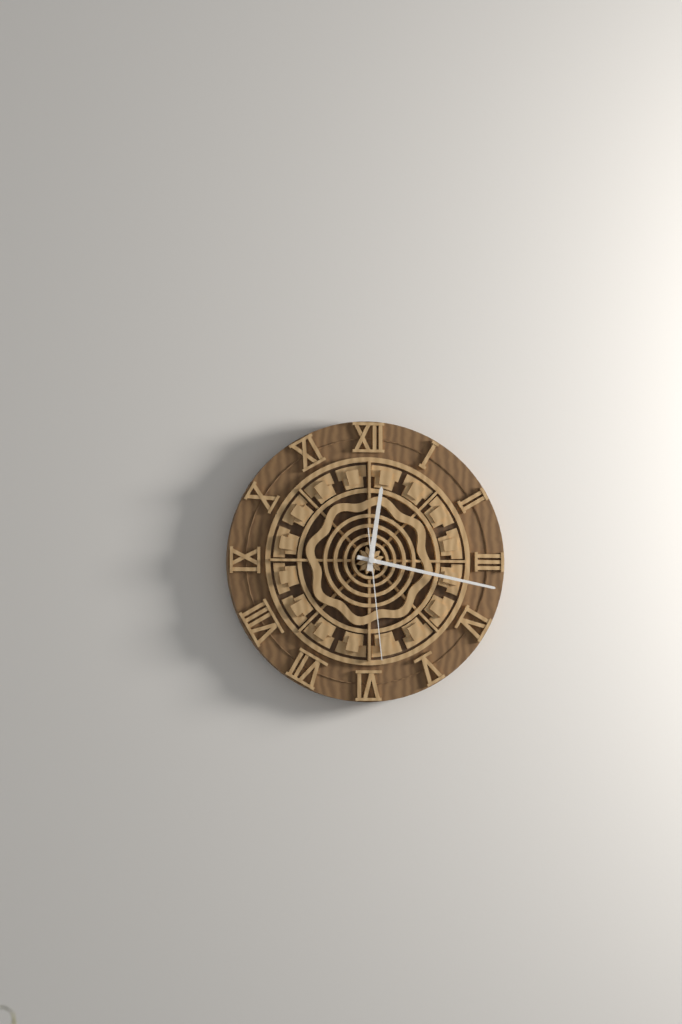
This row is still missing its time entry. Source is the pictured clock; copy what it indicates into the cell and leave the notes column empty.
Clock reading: 12:17:29
